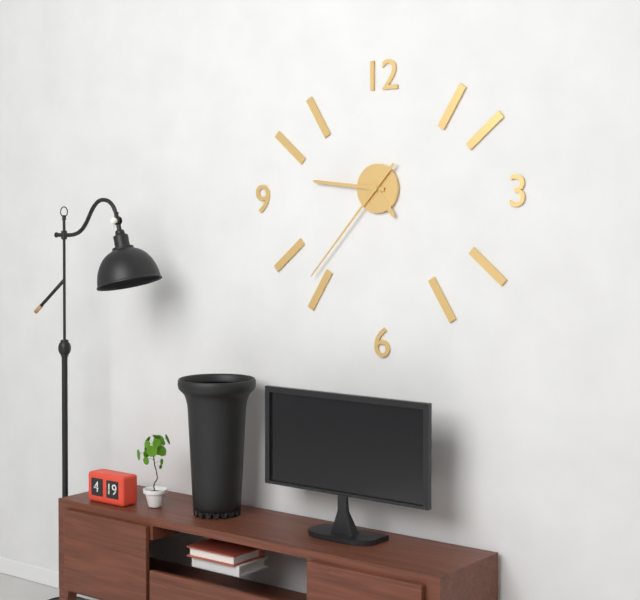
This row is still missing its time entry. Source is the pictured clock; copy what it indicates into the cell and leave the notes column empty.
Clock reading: 4:46:37
